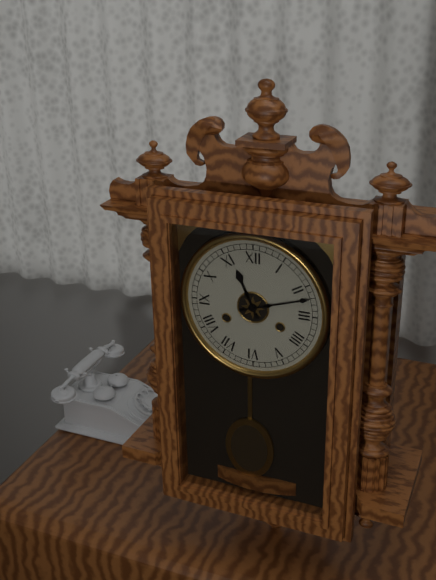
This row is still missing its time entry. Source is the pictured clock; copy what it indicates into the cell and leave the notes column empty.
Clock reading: 11:12
